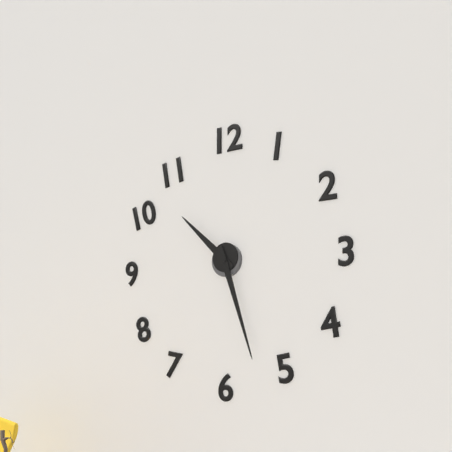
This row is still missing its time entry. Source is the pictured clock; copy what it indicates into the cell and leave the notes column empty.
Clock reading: 10:27
